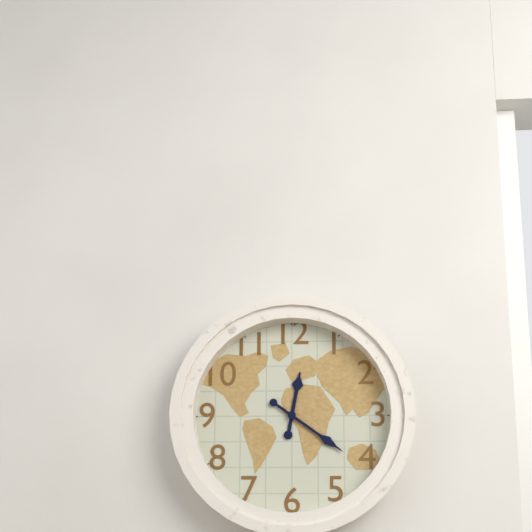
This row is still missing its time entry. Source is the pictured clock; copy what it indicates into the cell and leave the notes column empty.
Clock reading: 12:21
